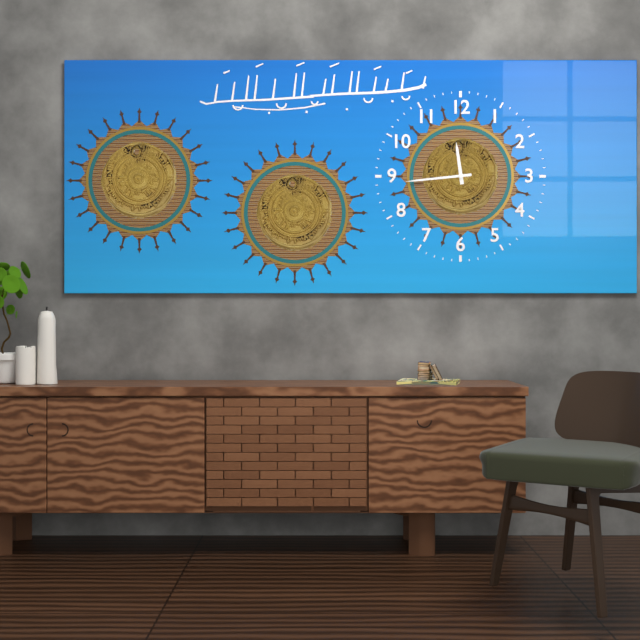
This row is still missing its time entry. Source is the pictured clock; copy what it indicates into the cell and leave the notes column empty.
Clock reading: 11:44
